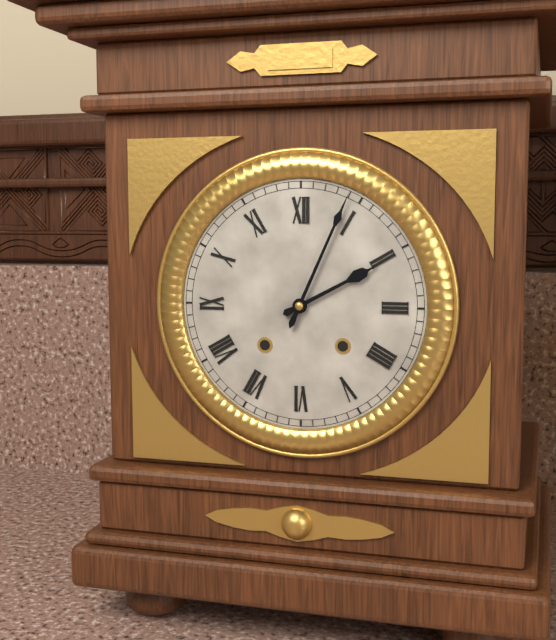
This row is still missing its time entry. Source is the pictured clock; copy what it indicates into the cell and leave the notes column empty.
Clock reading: 2:04
